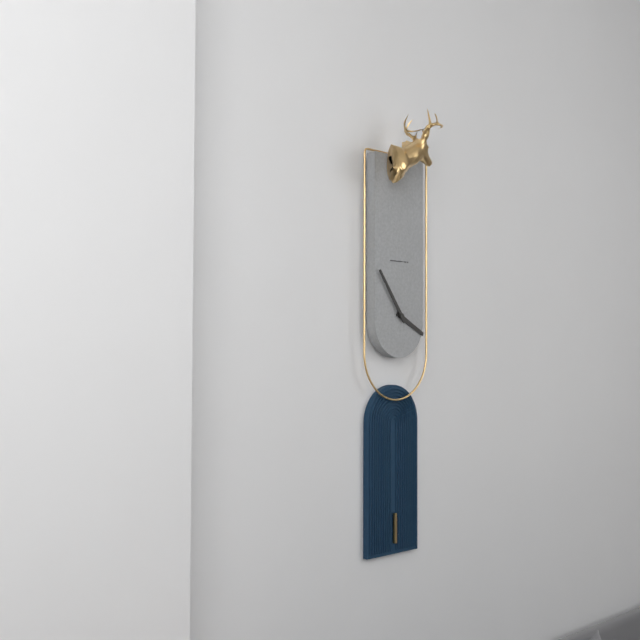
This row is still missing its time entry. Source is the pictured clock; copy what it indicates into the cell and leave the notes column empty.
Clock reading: 3:54
